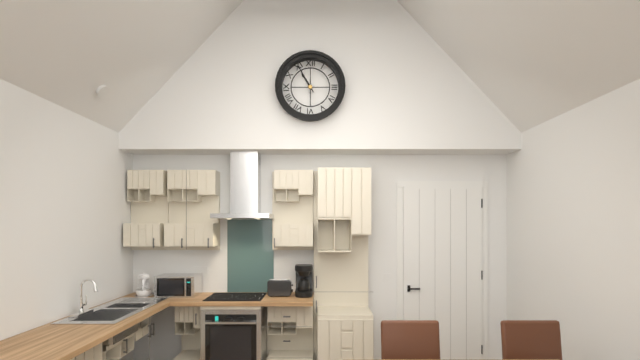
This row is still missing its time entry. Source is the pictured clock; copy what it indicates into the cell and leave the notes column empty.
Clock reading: 10:55
